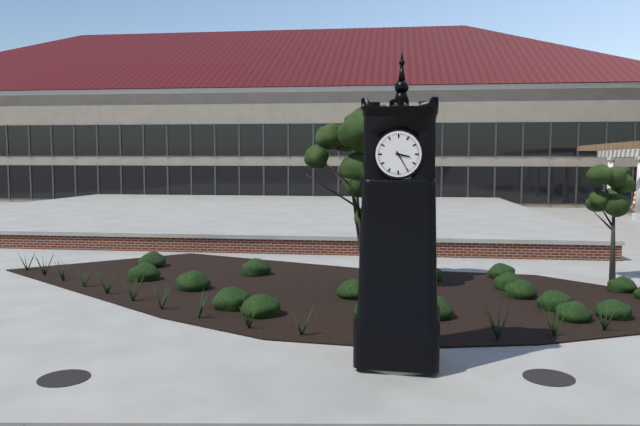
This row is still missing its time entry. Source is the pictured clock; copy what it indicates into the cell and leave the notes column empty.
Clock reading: 3:25
